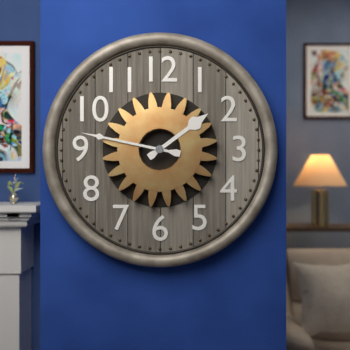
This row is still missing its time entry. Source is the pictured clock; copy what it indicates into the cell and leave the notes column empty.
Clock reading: 1:47
